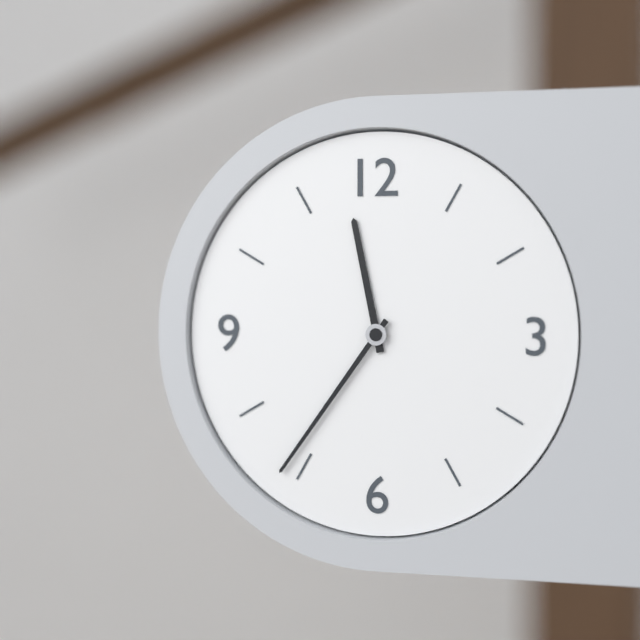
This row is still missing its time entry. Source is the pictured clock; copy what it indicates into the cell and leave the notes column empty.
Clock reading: 11:36
